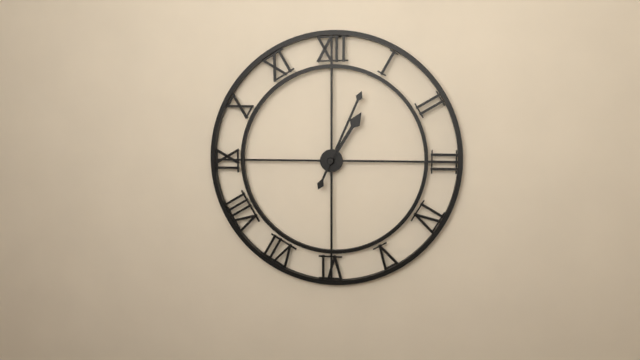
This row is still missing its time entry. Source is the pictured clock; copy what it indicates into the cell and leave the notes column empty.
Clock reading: 1:04
